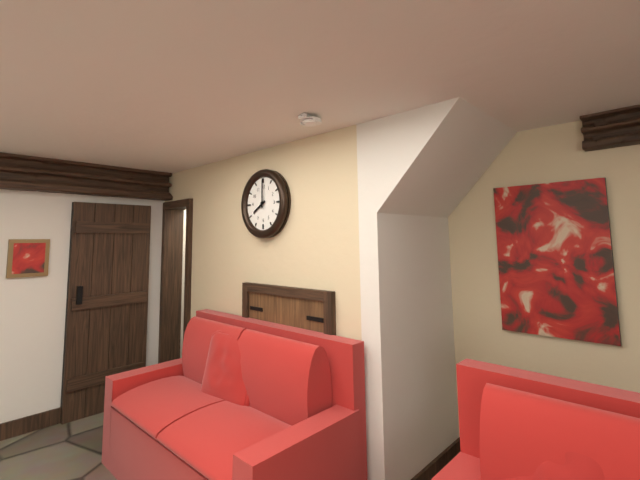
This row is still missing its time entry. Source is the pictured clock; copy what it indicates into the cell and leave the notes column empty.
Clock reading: 8:00
